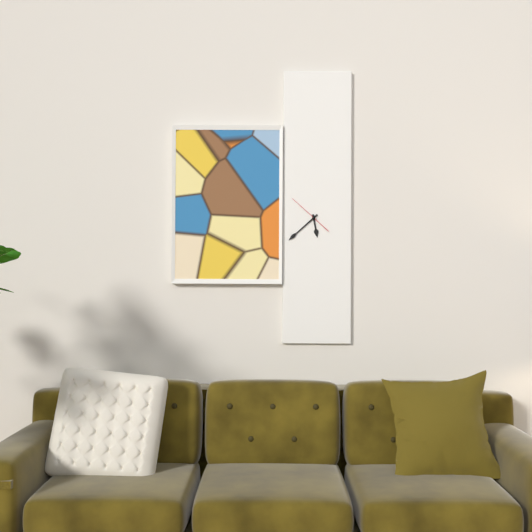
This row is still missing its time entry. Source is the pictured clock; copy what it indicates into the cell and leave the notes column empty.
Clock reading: 5:38
